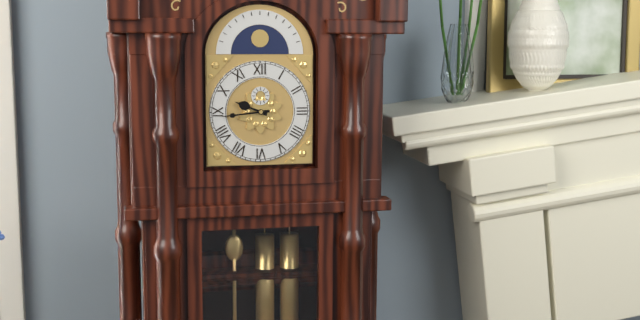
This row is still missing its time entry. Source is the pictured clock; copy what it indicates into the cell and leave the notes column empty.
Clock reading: 9:44
